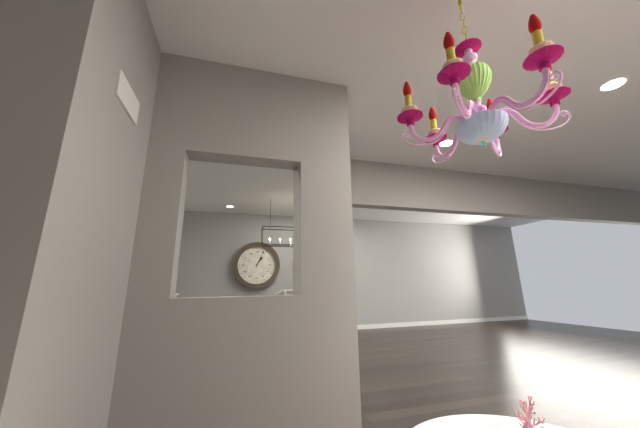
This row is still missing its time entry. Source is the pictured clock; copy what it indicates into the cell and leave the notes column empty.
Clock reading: 1:04
